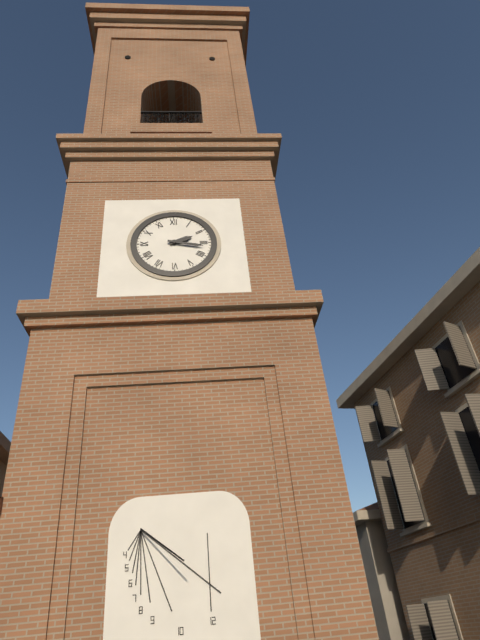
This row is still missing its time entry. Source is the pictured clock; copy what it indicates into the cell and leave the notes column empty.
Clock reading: 2:17
